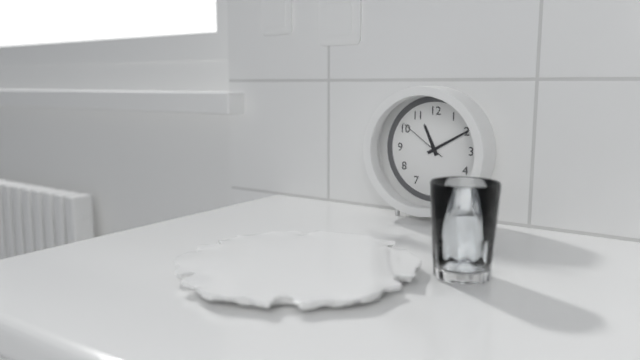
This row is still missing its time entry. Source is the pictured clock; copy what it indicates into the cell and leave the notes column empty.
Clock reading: 11:10:51
